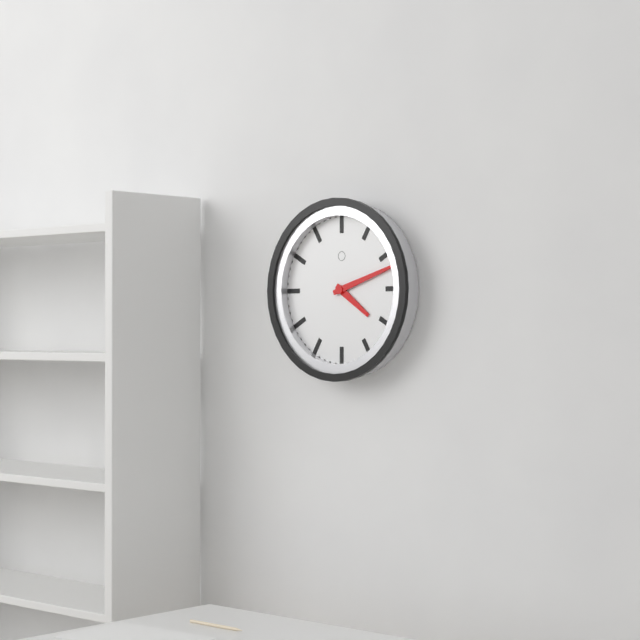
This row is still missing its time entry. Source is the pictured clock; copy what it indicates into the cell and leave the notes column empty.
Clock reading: 4:12
